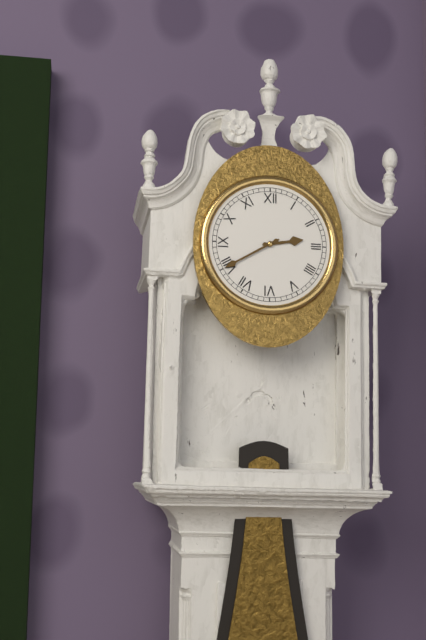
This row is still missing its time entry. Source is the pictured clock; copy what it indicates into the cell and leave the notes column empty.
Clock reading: 2:40
